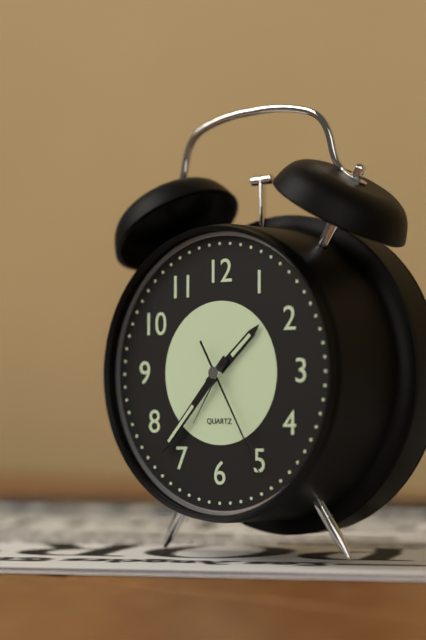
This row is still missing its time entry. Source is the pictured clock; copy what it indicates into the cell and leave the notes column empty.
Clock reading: 1:37:25
